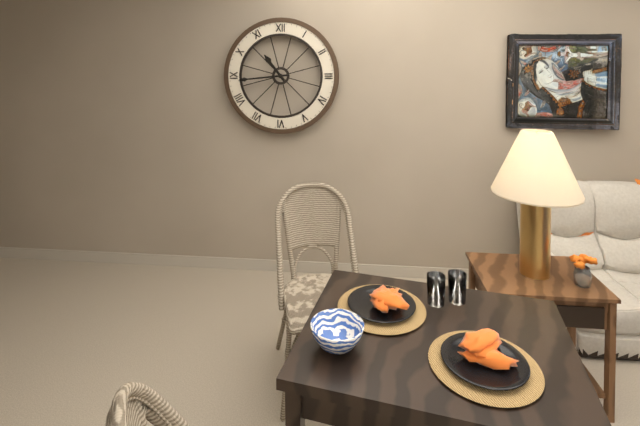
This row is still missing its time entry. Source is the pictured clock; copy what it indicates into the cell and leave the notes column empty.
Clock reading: 10:44
